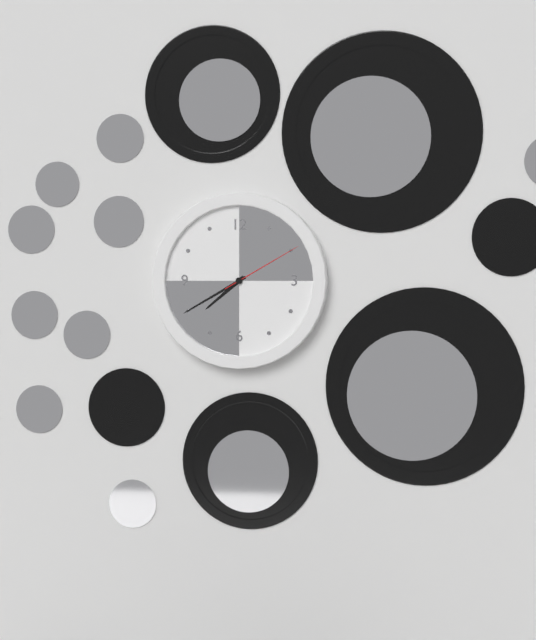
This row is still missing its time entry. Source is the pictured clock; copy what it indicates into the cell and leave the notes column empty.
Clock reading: 7:40:10
